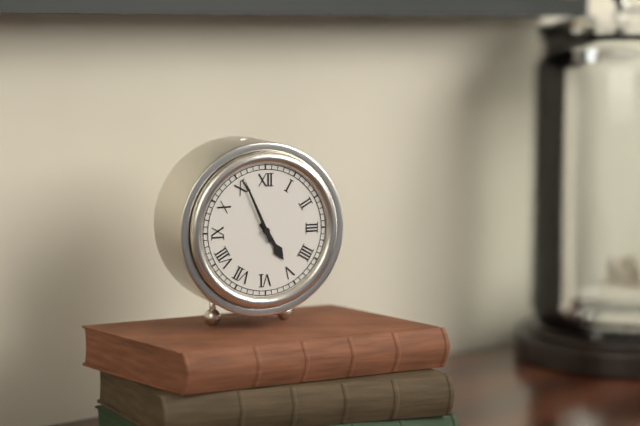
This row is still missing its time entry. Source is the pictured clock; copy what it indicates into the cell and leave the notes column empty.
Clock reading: 4:56
